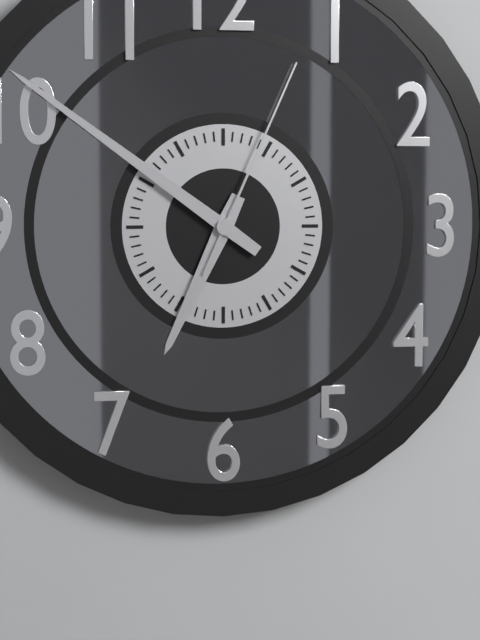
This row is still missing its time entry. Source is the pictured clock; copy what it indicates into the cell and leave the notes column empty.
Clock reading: 6:51:04
